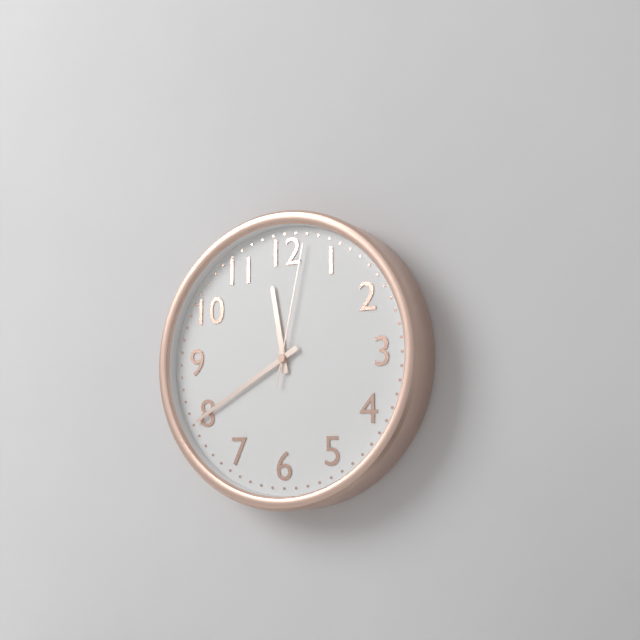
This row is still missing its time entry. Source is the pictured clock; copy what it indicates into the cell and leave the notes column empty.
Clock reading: 11:40:02
